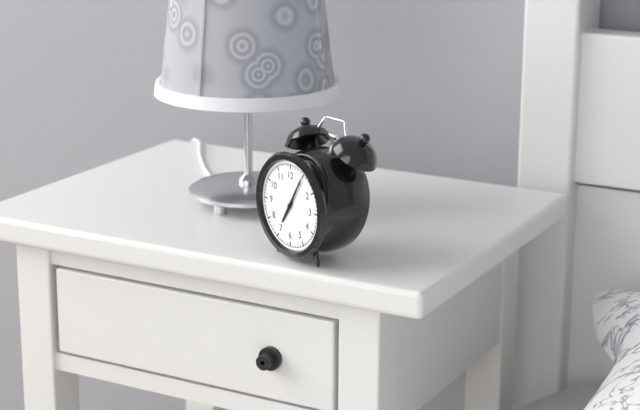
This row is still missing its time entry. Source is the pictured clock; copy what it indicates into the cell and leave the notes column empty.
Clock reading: 7:05
